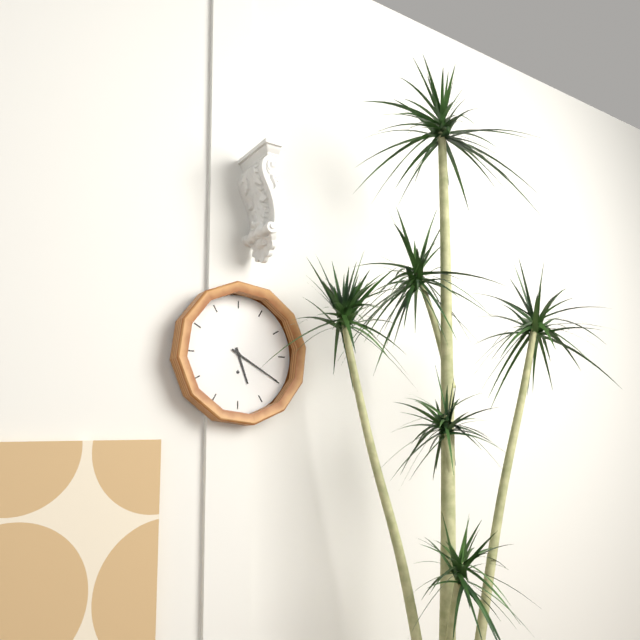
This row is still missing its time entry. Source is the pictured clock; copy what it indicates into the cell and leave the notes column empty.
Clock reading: 5:20
